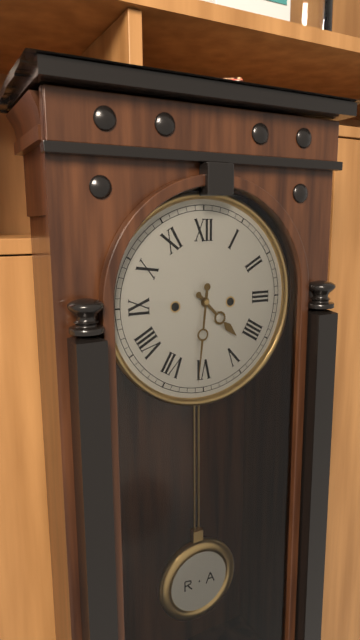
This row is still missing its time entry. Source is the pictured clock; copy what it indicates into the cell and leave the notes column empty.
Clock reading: 4:31
